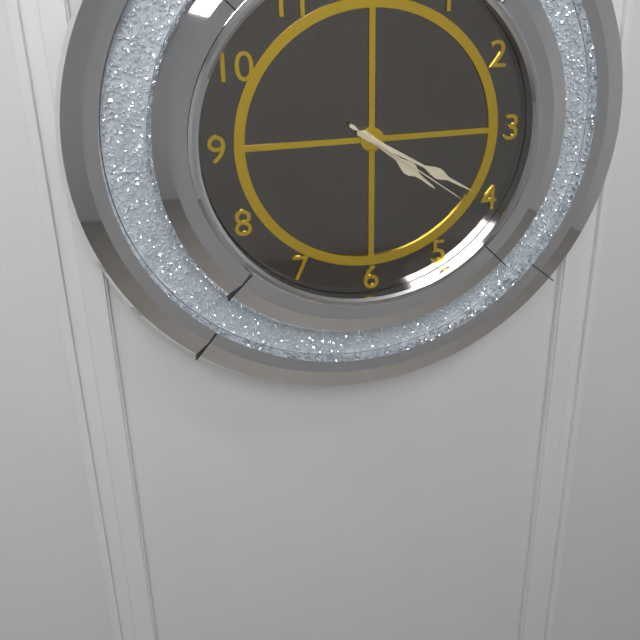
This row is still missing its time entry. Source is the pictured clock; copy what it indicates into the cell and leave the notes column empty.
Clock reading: 4:20:21
